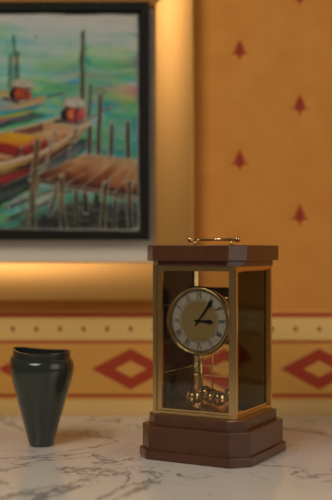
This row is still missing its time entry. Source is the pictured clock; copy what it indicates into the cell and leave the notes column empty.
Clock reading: 3:06
